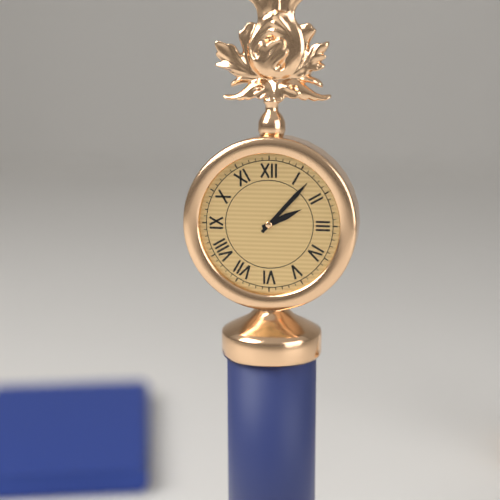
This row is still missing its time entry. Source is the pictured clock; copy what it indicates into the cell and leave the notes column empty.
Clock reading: 2:07
